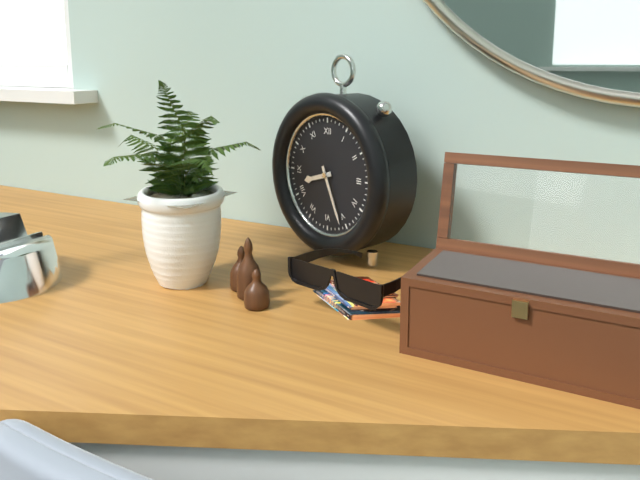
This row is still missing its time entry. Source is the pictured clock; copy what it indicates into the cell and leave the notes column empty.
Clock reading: 8:26
